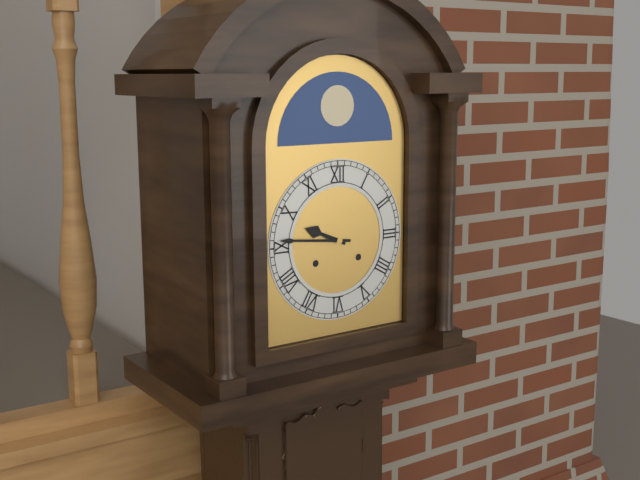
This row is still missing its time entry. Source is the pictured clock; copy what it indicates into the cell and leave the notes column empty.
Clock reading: 9:46
